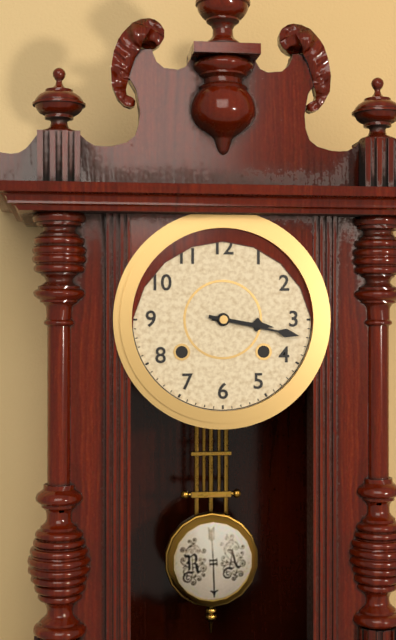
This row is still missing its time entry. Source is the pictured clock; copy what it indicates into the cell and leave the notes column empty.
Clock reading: 3:17
